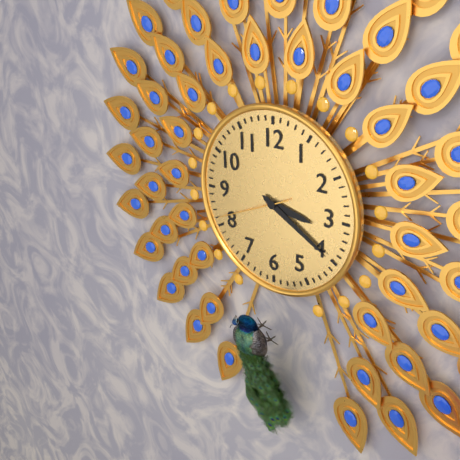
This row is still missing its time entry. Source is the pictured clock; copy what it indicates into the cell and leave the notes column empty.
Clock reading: 3:20:41
